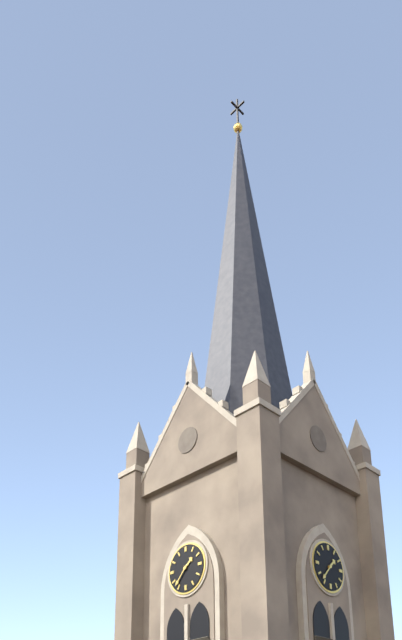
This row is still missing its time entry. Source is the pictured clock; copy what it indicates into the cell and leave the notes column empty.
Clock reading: 1:37
